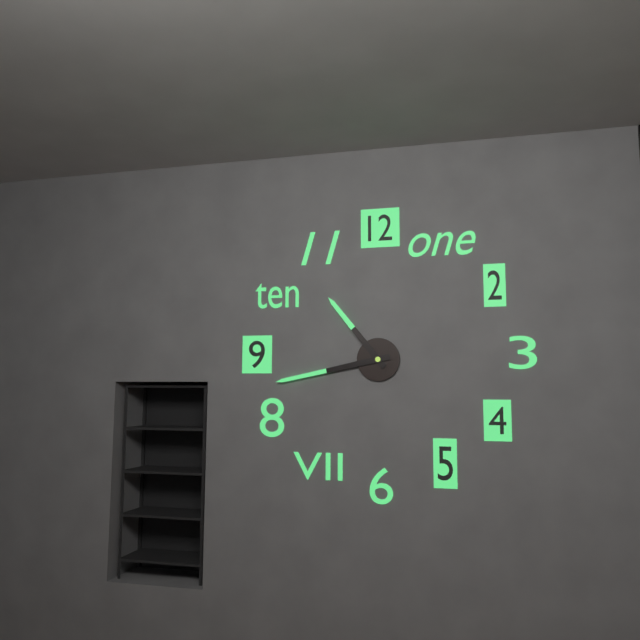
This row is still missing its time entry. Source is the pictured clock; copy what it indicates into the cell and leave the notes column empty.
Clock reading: 10:43
